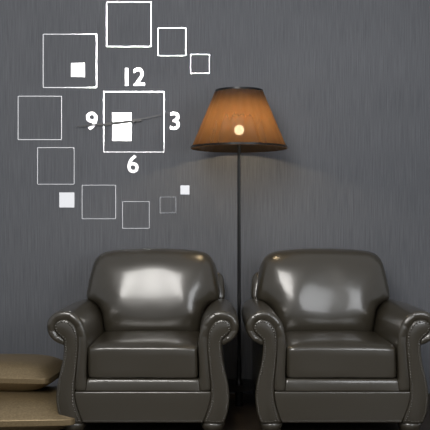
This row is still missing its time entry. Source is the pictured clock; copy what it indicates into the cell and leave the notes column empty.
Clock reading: 8:44:13
